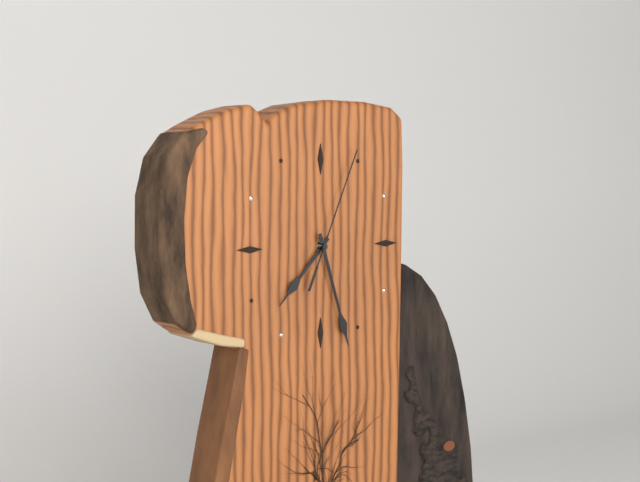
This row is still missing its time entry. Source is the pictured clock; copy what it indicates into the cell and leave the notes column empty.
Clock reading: 7:27:04
